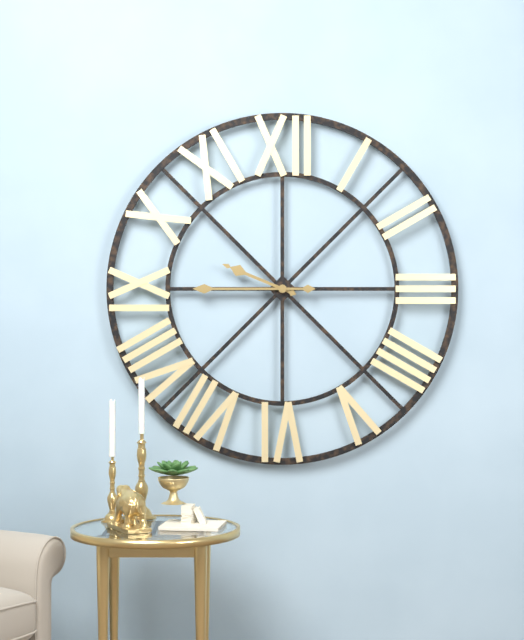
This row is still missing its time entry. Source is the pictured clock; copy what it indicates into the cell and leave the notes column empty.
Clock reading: 9:45
